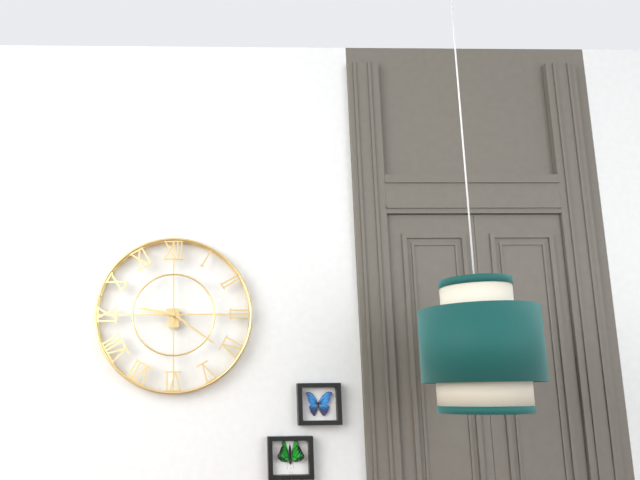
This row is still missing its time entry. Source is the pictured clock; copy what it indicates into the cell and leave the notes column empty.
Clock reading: 9:21
